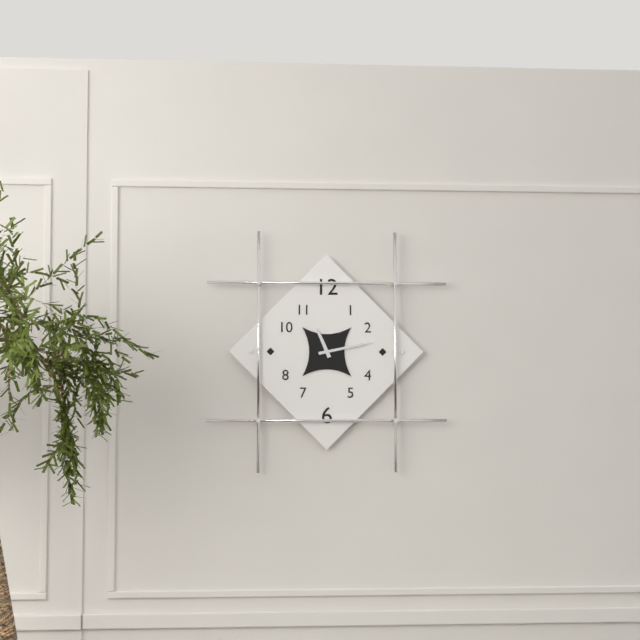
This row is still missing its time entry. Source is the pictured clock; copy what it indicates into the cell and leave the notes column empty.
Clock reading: 11:13
